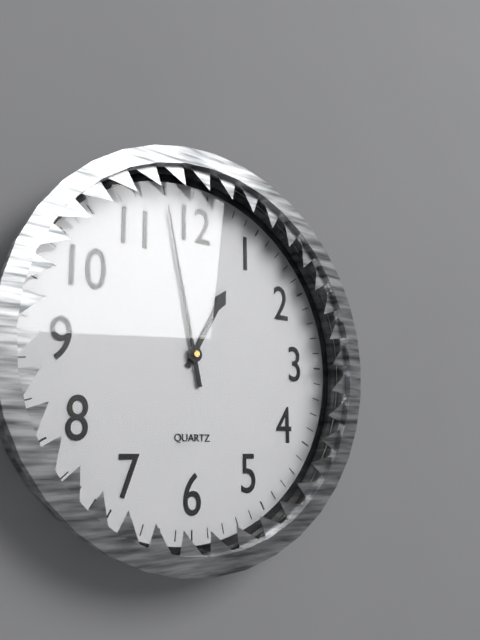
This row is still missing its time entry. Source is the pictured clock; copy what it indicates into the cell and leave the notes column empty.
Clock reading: 12:58
